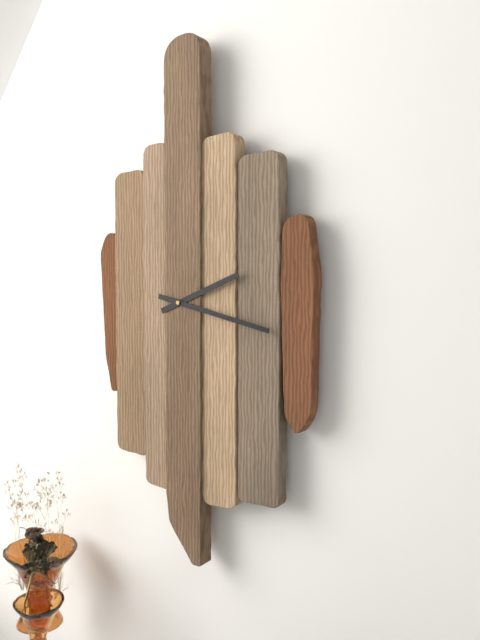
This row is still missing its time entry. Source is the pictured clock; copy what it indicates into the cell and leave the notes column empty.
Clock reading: 2:17
